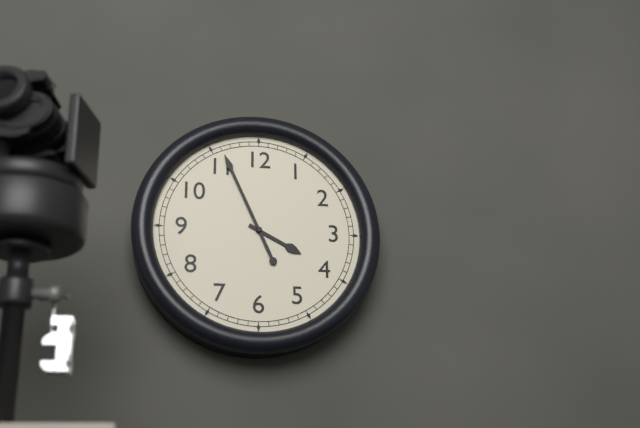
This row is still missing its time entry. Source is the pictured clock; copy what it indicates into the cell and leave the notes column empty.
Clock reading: 3:56
